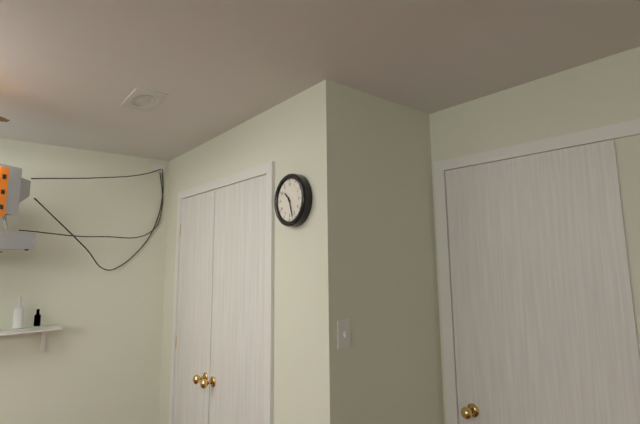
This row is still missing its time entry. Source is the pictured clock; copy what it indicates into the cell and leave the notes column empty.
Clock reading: 10:27
